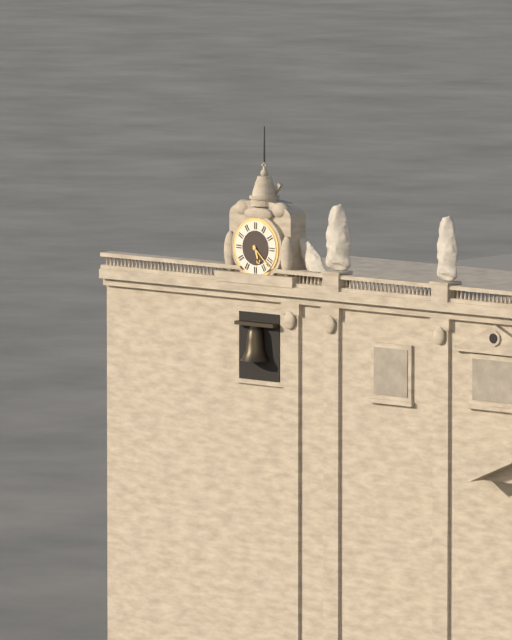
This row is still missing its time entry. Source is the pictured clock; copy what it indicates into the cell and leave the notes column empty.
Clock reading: 5:22
